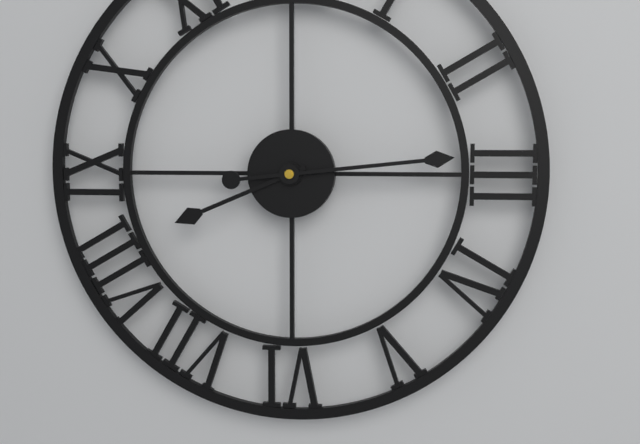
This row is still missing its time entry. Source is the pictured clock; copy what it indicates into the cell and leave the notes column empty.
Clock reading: 8:14
